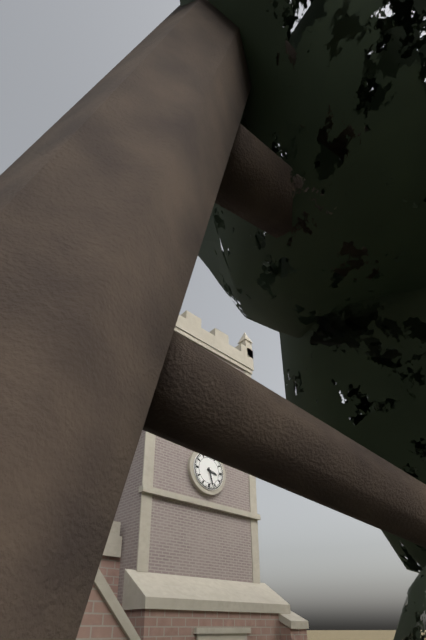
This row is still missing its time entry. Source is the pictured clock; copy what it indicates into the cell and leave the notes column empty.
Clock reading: 3:27
